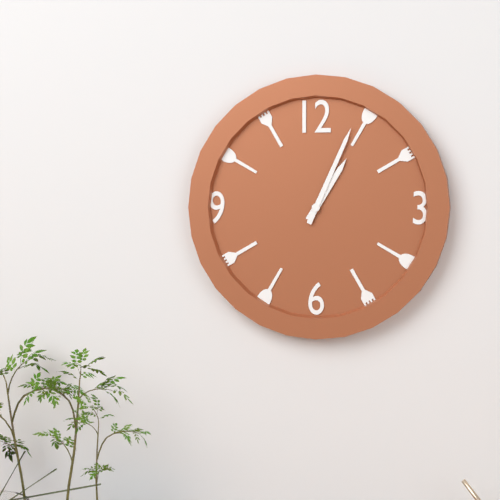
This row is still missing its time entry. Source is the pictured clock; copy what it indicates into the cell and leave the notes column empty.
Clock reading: 1:04
